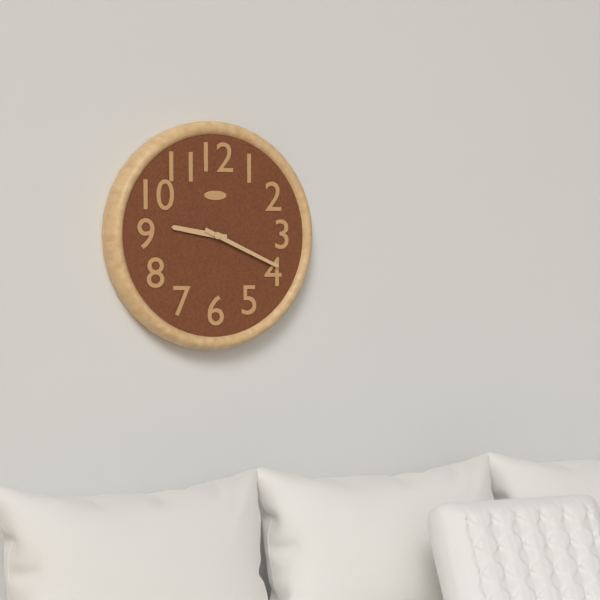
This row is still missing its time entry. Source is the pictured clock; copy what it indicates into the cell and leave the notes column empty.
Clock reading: 9:19
